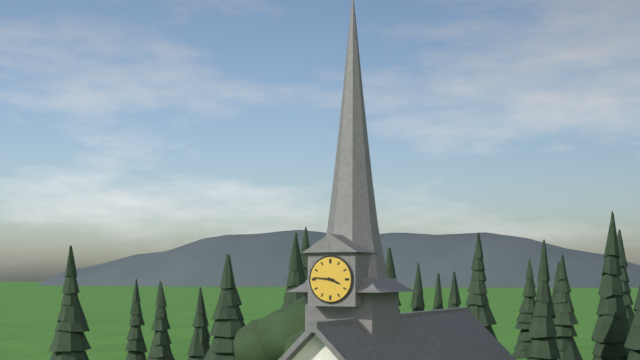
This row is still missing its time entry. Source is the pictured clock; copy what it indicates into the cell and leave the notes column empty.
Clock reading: 3:46
